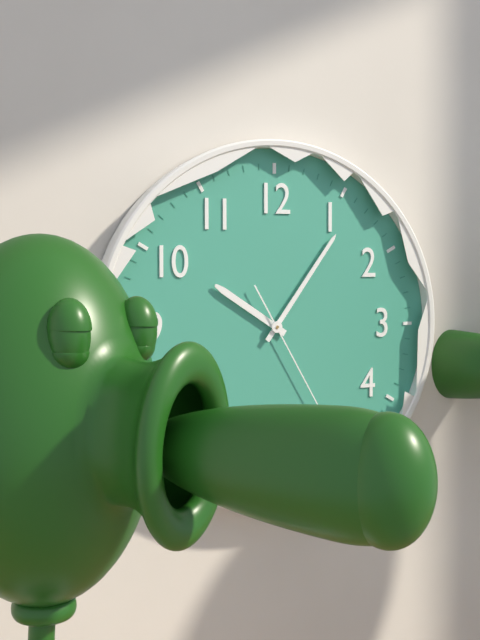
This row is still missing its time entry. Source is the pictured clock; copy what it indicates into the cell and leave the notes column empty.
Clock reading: 10:06:25
